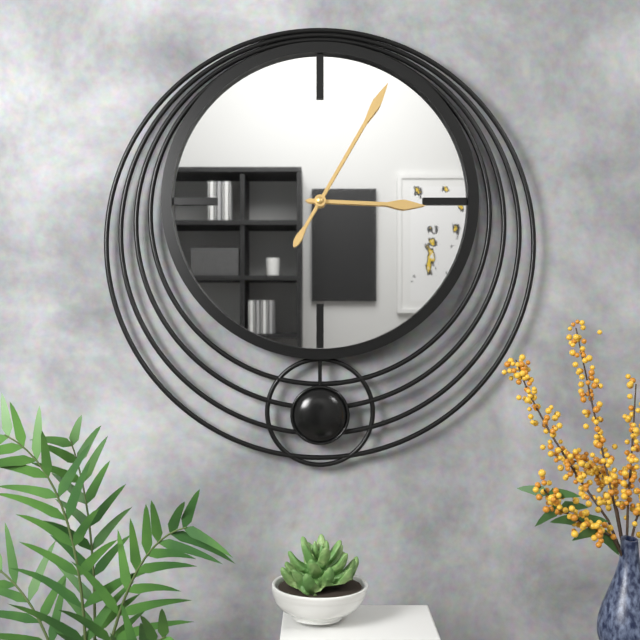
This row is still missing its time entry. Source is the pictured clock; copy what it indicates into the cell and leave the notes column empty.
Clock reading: 3:05
